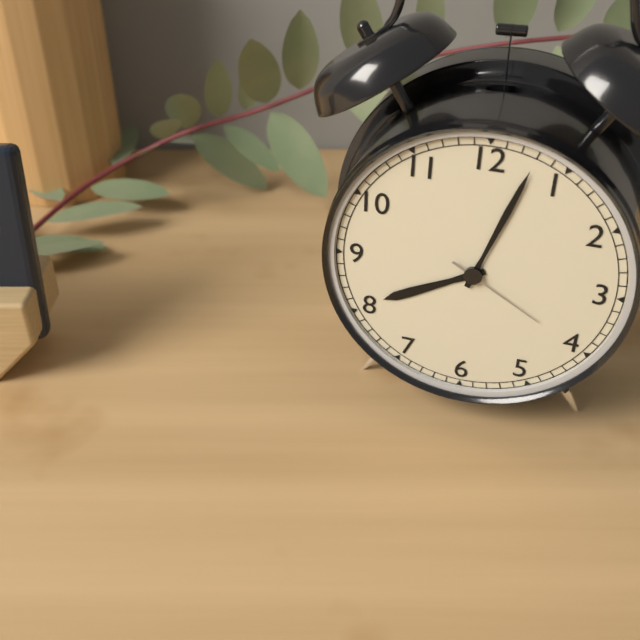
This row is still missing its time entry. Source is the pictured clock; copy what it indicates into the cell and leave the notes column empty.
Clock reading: 8:03:20
